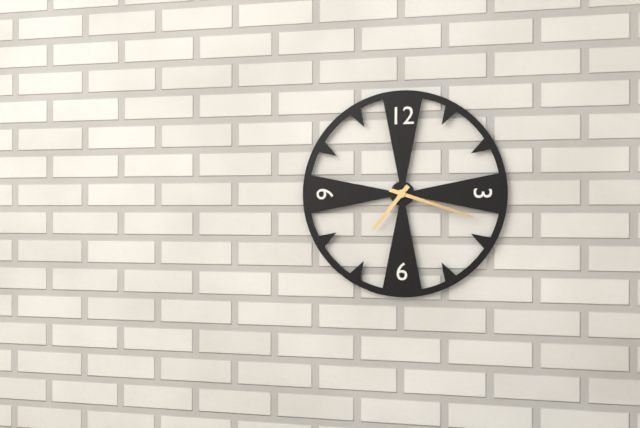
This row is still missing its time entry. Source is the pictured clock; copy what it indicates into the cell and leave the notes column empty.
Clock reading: 7:18
